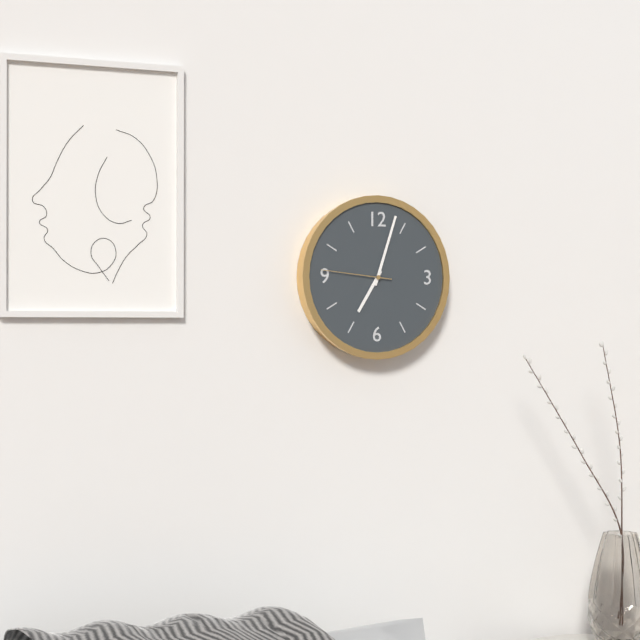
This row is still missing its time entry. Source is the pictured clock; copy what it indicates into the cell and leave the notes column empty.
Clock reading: 7:03:46
